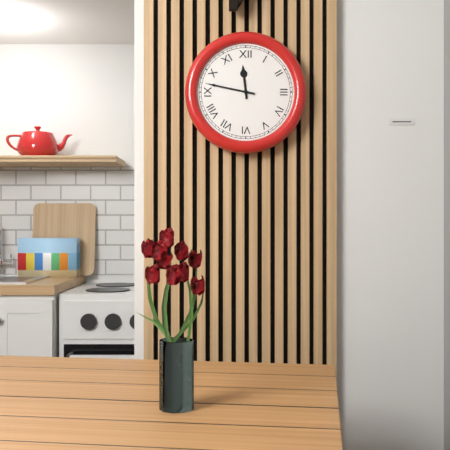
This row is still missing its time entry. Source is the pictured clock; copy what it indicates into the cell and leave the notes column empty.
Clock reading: 11:47
